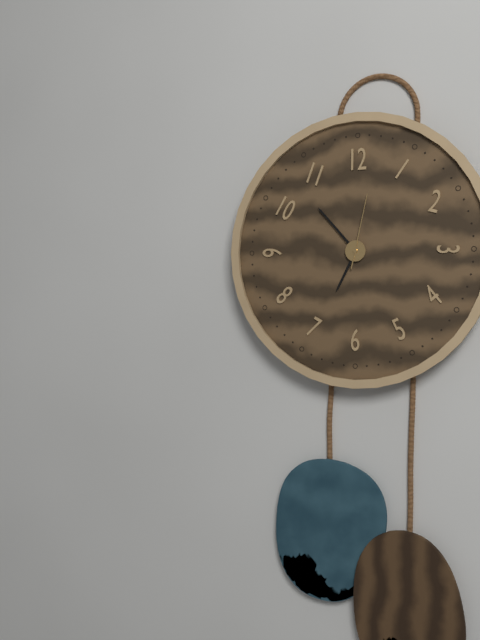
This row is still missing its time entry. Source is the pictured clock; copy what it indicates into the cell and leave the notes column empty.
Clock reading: 6:53:02
